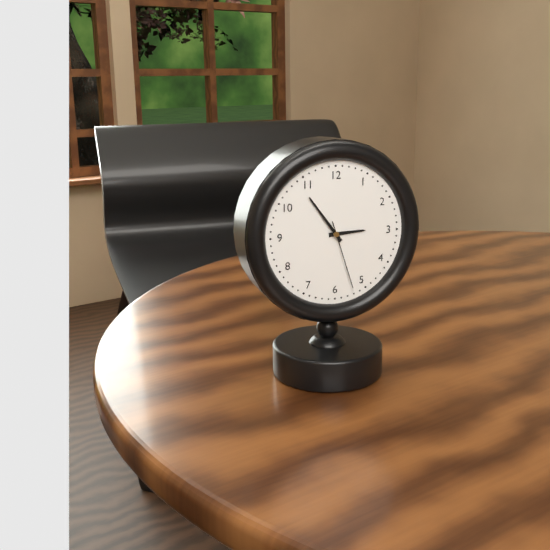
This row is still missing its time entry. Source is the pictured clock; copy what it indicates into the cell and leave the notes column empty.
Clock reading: 2:54:27
